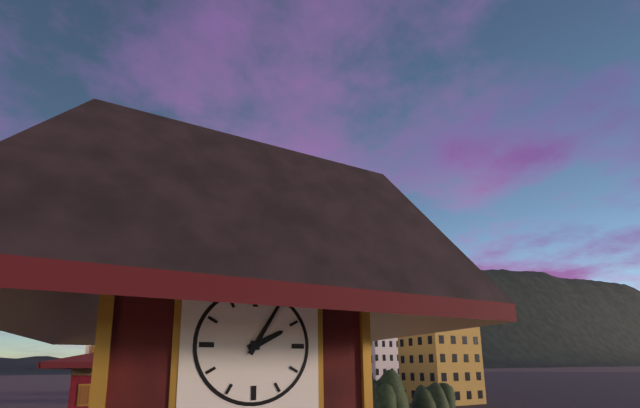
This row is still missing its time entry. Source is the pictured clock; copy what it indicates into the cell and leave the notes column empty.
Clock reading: 2:05
